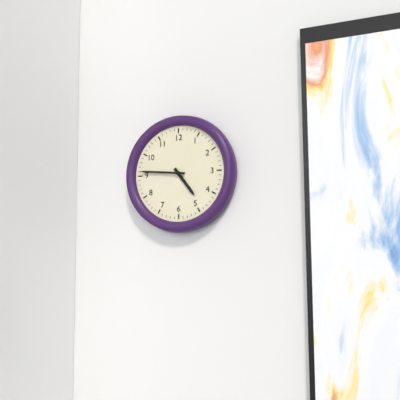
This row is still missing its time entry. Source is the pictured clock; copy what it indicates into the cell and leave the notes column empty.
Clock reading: 4:46
